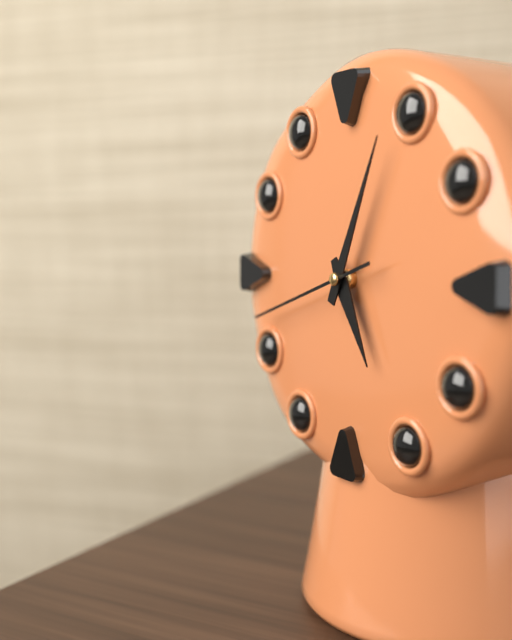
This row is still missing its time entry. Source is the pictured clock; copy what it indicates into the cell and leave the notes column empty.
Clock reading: 5:04:42
